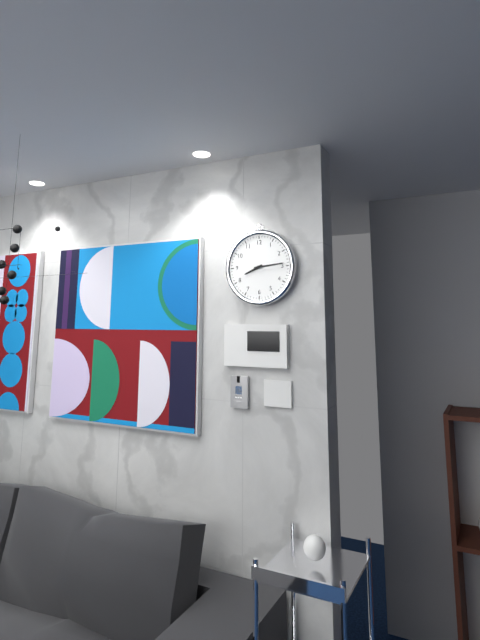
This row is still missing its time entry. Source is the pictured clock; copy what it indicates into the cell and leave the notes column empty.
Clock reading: 8:14
